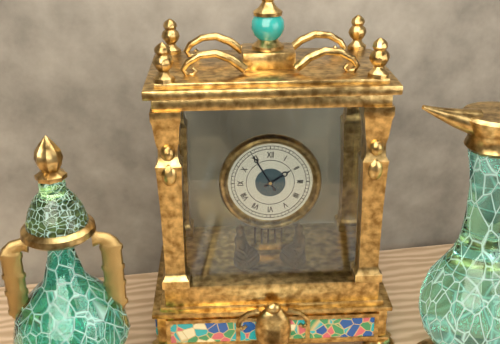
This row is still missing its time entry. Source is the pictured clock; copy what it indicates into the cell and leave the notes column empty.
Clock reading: 1:55
